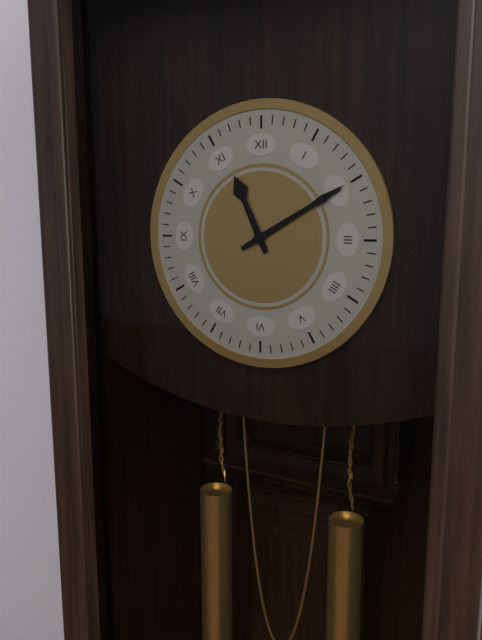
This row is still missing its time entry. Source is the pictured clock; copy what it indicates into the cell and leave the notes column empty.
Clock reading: 11:10
